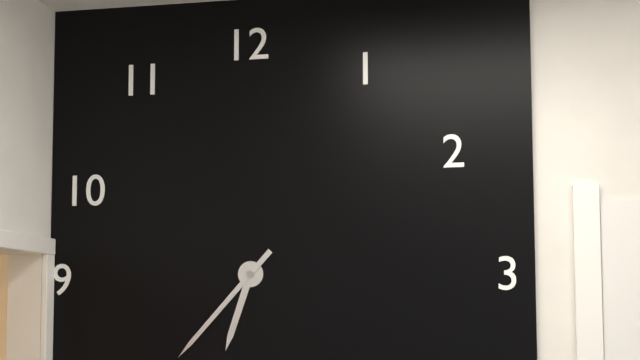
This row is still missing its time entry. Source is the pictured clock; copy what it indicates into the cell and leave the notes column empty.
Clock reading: 6:37
